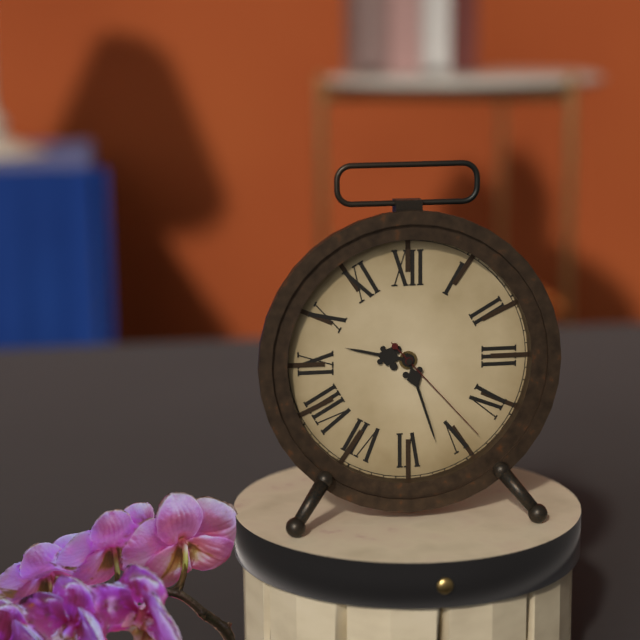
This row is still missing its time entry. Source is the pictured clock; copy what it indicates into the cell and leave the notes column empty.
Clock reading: 9:27:23
